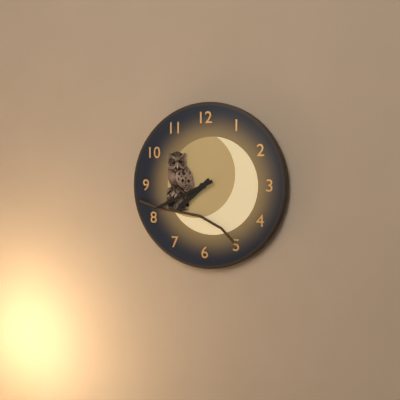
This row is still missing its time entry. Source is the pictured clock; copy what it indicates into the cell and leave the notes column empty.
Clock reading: 7:41
